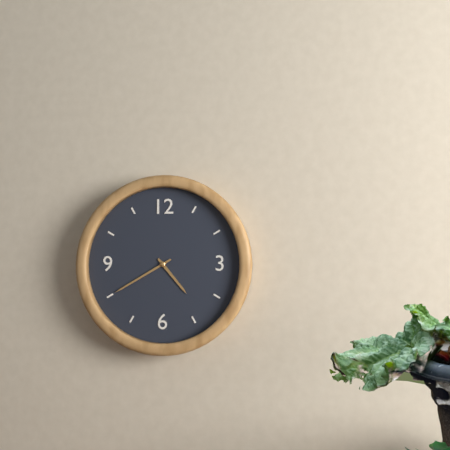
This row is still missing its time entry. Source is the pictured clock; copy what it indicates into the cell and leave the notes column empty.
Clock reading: 4:40
